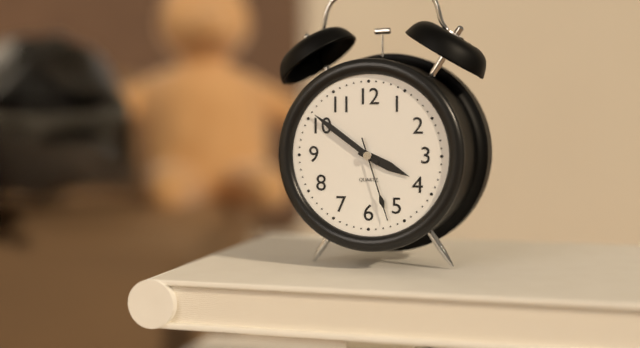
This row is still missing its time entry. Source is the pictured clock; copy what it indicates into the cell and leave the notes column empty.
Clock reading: 3:51:27
